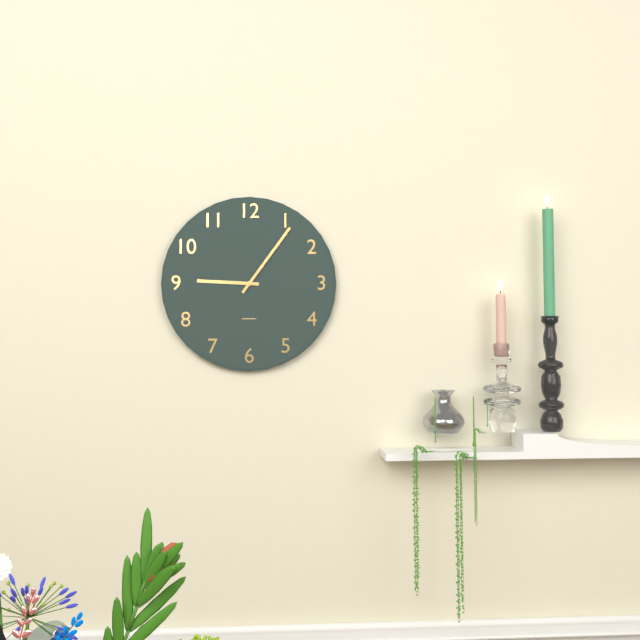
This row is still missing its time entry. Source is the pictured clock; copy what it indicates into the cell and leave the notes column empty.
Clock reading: 9:06
